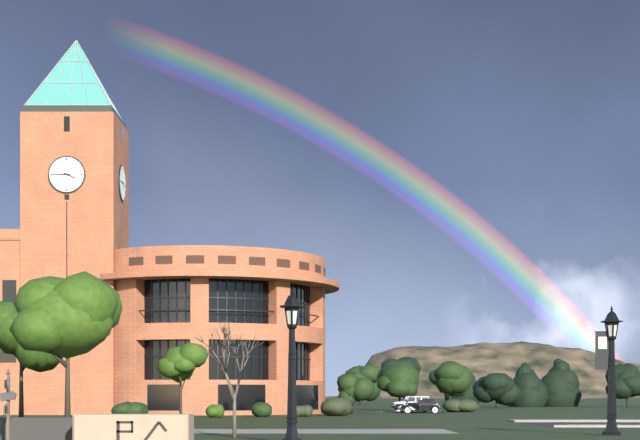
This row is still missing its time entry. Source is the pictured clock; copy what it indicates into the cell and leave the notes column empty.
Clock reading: 3:45
